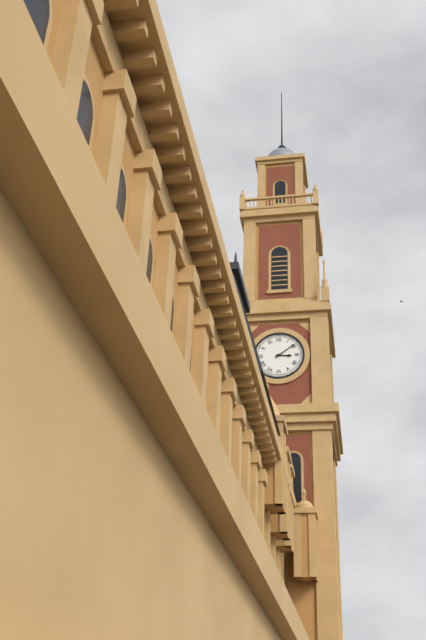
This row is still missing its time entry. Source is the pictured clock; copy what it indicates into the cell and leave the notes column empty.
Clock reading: 3:09
